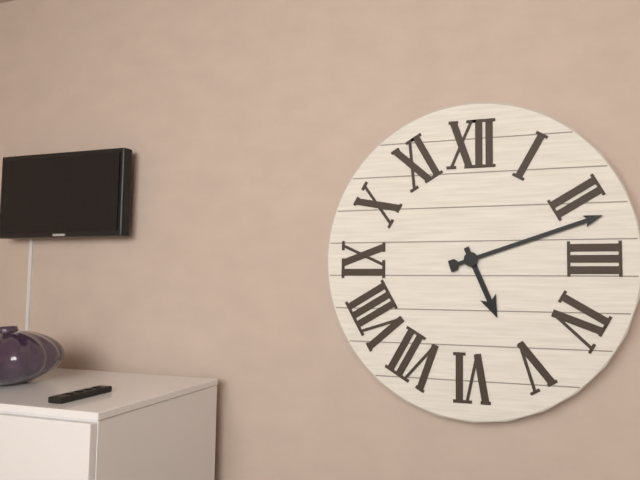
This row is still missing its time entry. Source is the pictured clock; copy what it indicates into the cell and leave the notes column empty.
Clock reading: 5:12
